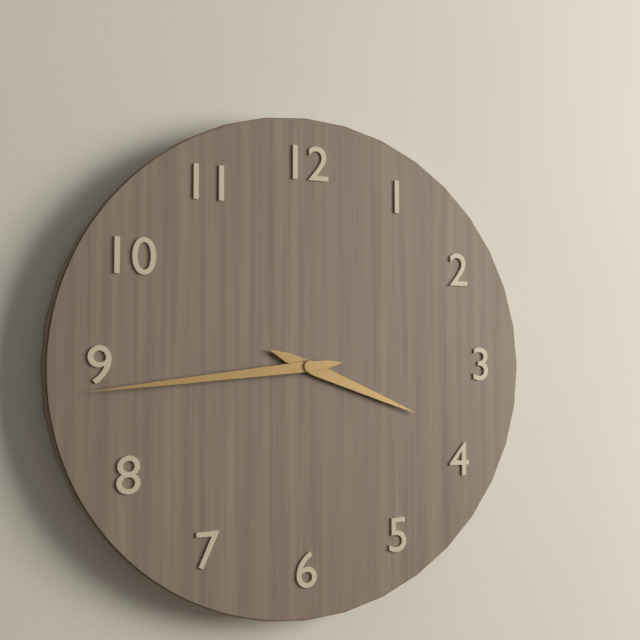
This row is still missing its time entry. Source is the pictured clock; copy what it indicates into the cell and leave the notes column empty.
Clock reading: 3:44
